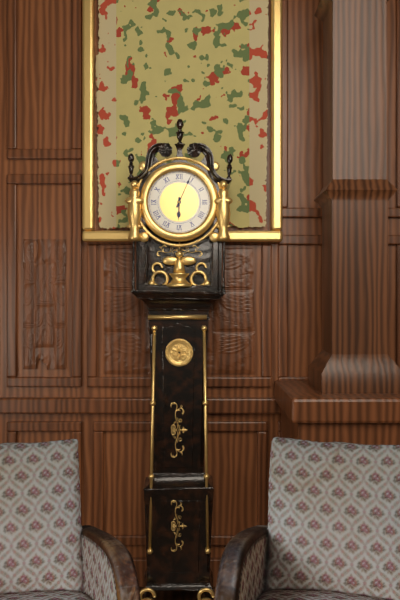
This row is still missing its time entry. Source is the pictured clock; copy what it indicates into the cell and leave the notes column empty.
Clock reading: 6:04
